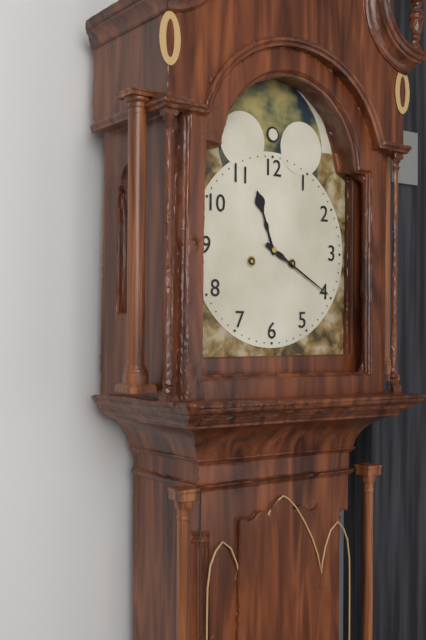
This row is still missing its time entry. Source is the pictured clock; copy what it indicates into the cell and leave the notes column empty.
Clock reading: 11:20
